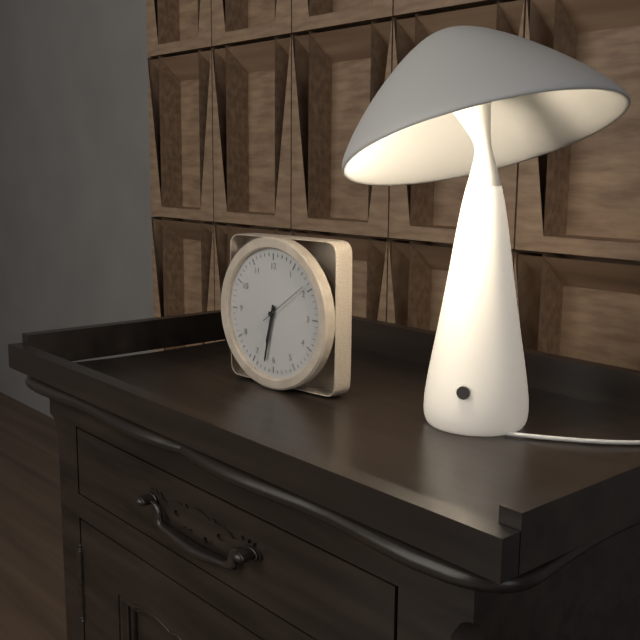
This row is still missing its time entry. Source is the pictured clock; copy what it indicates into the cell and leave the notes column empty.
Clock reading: 6:32:09
